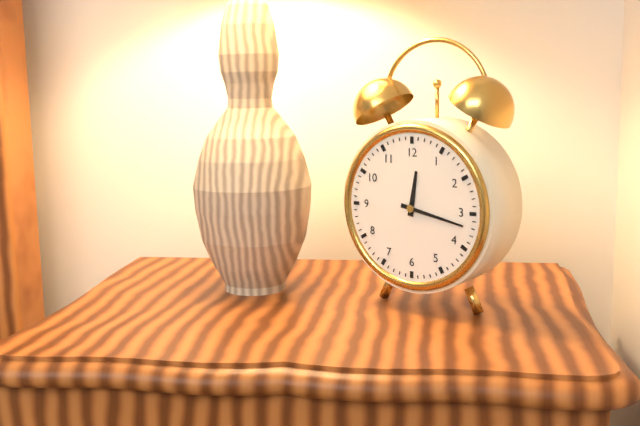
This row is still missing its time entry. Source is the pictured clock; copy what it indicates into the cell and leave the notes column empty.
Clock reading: 12:17
